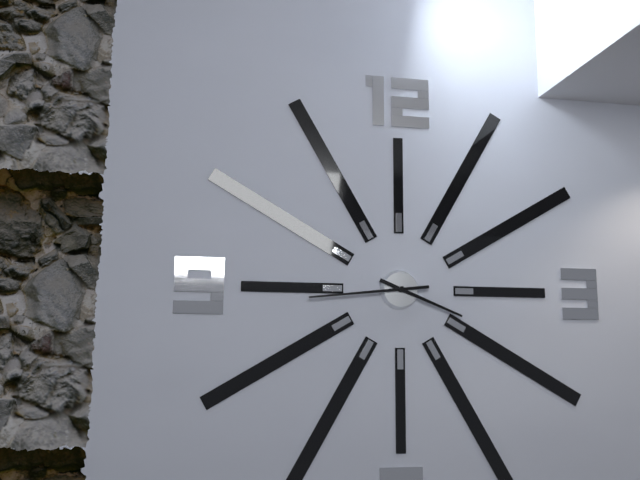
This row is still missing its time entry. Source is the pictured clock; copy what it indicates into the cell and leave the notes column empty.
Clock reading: 3:44
